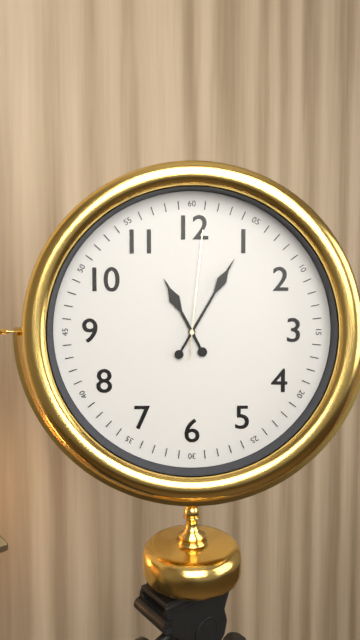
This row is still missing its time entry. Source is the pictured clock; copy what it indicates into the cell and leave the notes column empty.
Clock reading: 11:05:01
